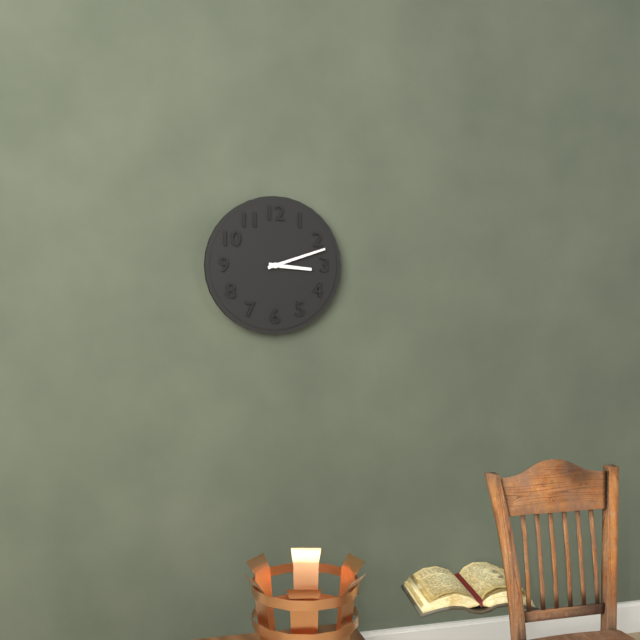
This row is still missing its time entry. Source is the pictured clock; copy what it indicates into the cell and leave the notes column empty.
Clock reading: 3:12
